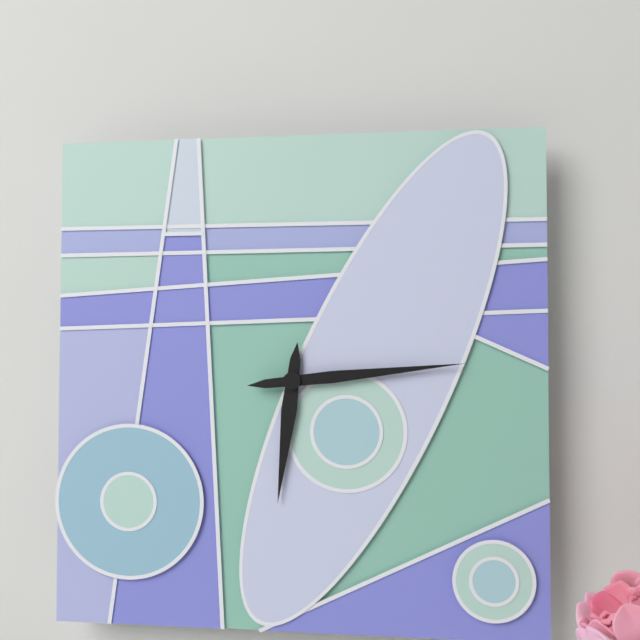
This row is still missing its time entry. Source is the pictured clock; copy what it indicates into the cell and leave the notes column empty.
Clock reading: 6:14
